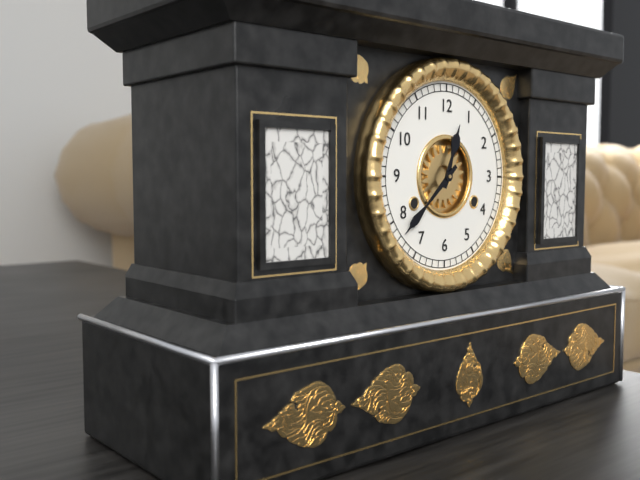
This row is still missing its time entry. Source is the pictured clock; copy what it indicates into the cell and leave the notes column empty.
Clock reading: 12:38
